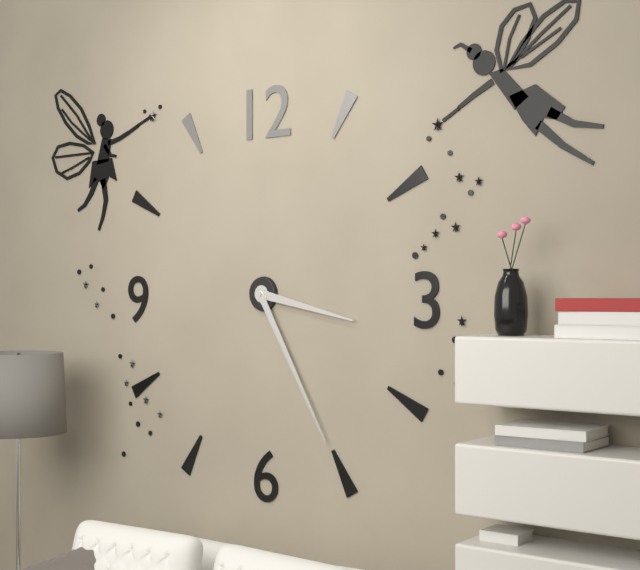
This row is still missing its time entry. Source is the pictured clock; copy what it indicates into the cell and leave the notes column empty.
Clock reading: 3:25
